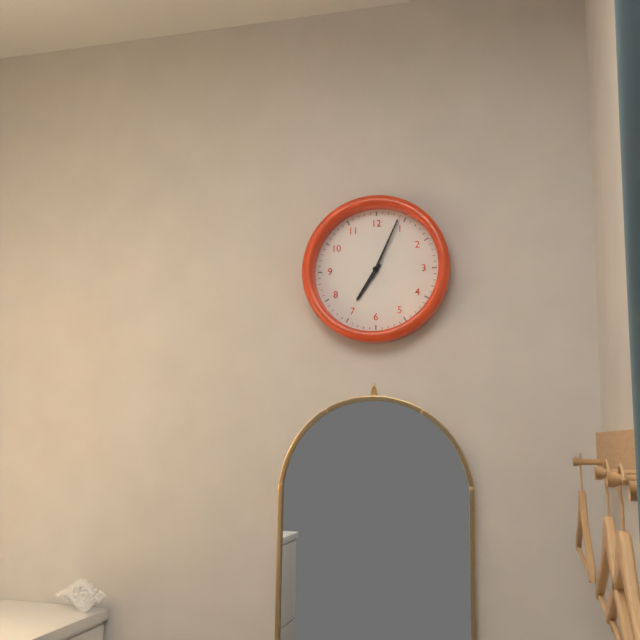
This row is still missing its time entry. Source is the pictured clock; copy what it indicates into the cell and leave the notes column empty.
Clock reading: 7:04
